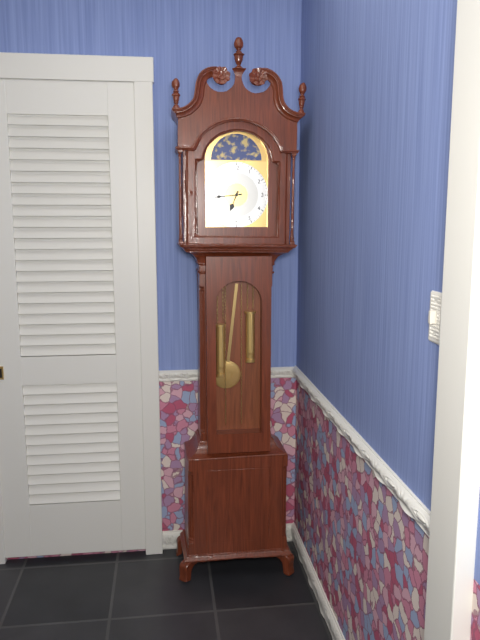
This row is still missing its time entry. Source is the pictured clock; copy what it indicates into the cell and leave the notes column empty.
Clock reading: 6:44
